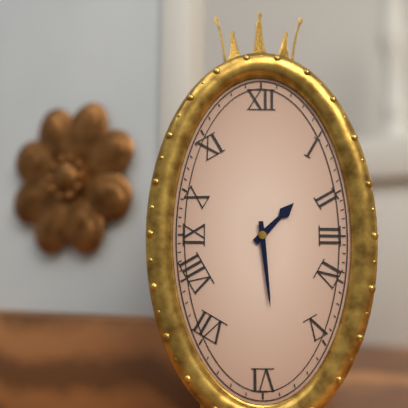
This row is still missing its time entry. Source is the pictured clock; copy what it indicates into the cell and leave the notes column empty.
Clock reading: 1:29
